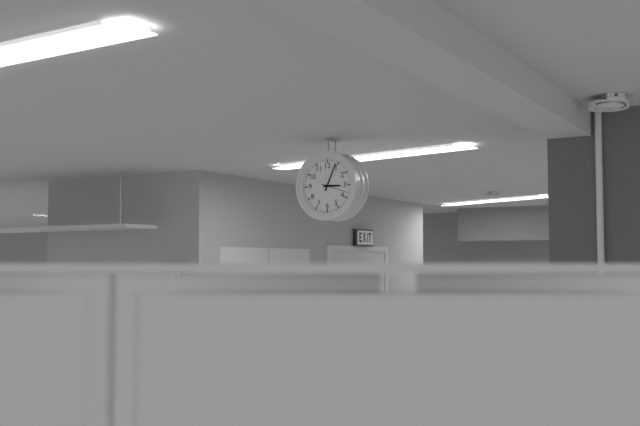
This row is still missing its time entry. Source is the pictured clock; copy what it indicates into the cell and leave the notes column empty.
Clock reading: 3:04
